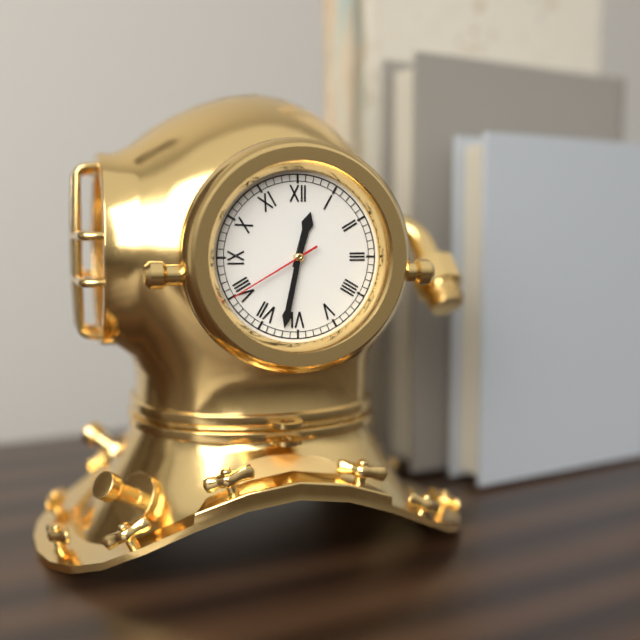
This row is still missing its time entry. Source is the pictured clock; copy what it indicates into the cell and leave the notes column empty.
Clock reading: 12:32:40
